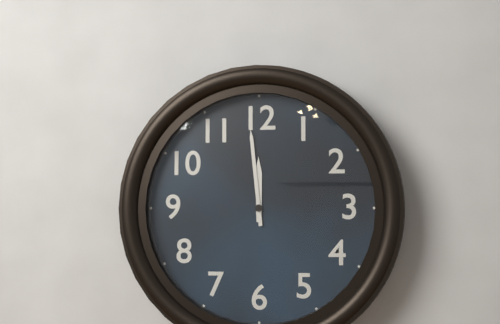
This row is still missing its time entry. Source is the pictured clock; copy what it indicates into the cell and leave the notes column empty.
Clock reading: 11:59
